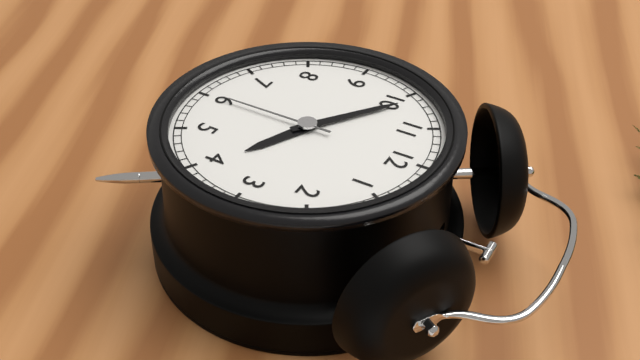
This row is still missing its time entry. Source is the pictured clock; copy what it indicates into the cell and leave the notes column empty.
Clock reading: 3:51:30
